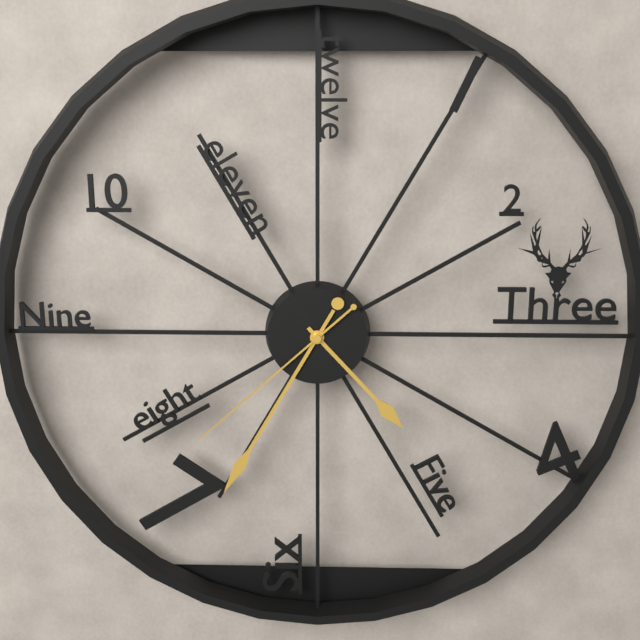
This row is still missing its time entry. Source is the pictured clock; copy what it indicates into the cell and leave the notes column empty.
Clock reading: 4:35:38
